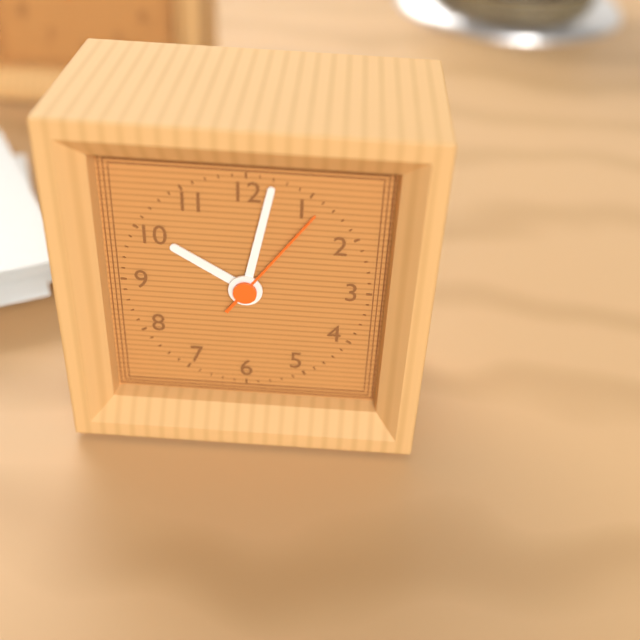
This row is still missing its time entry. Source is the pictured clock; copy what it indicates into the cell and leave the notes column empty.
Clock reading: 10:02:06
